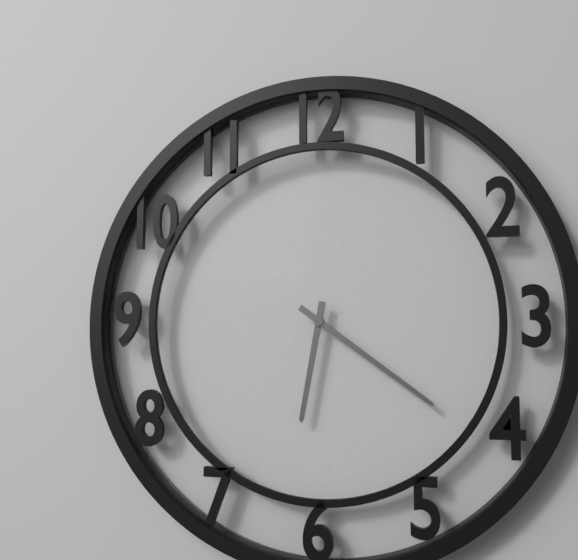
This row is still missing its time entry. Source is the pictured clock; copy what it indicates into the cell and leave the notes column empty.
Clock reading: 6:21
